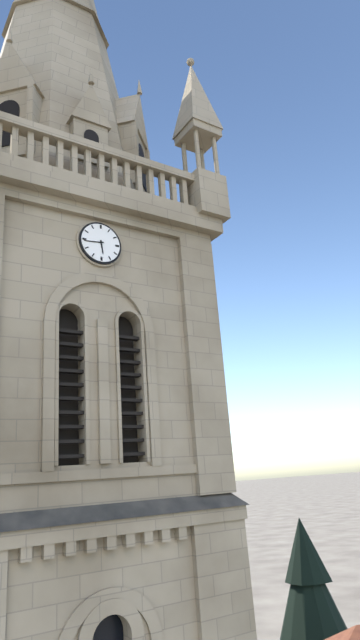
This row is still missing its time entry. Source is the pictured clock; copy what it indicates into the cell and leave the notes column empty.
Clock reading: 5:44
